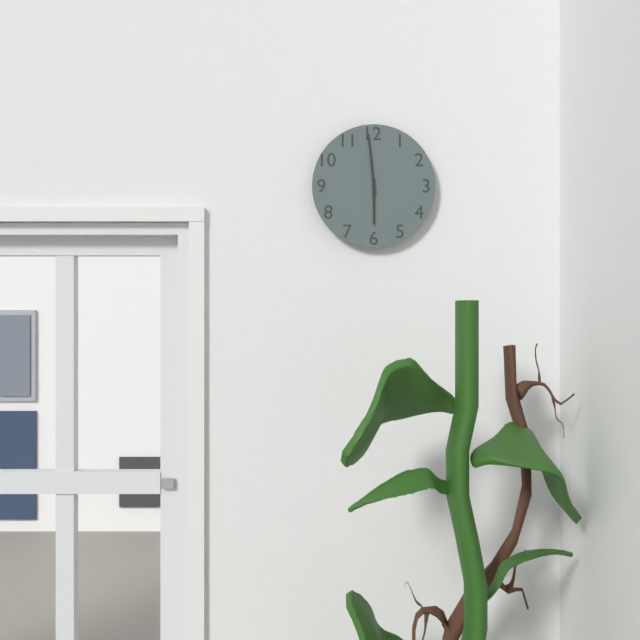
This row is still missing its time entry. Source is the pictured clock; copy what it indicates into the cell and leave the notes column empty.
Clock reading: 5:59
